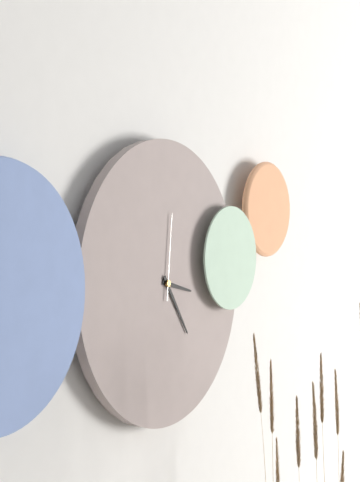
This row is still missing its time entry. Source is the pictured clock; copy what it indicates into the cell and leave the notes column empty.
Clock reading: 3:24:01
